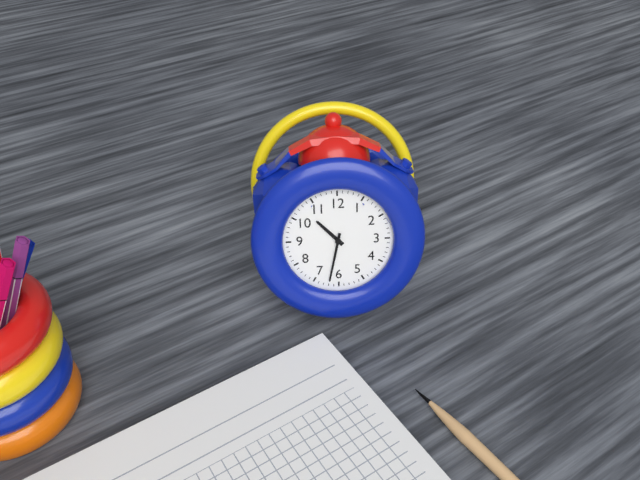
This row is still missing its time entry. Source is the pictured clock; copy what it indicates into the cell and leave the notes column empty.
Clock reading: 10:32
